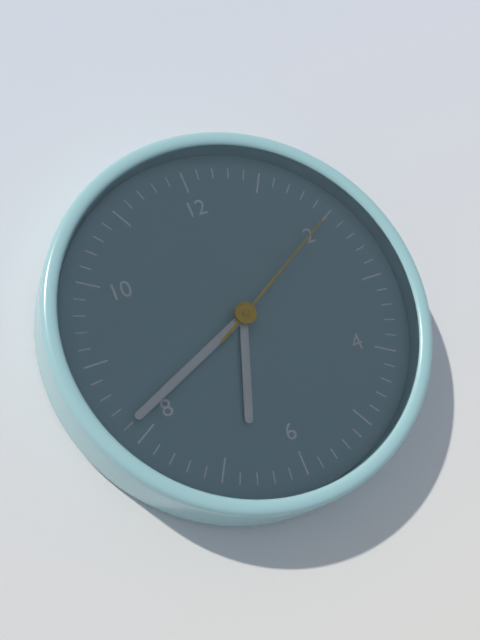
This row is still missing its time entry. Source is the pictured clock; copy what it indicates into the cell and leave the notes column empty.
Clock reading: 6:41:10
